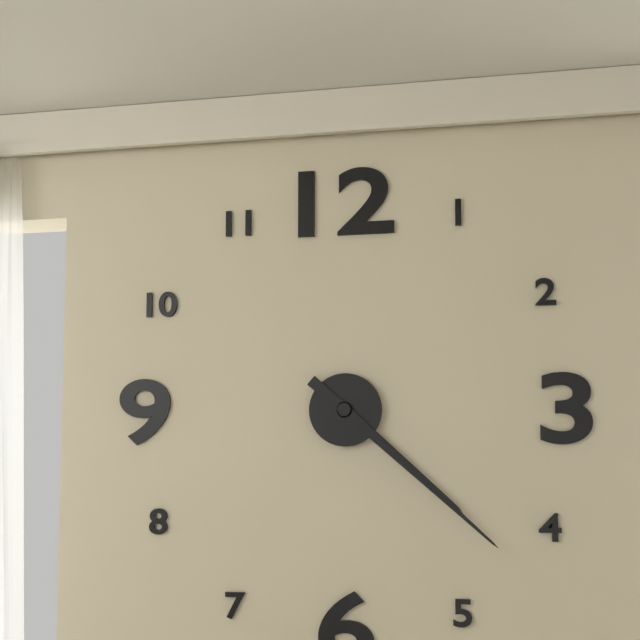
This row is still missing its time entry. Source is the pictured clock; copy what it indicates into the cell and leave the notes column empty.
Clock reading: 4:22
